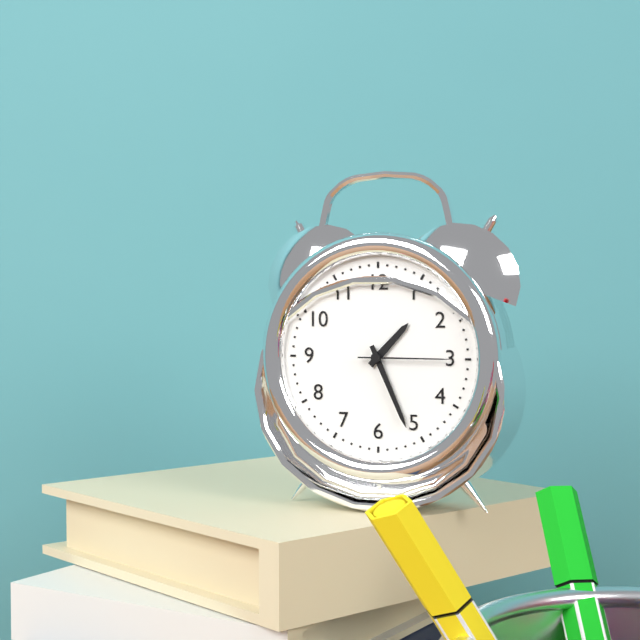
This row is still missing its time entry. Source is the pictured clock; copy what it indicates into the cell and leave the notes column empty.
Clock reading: 1:26:15
